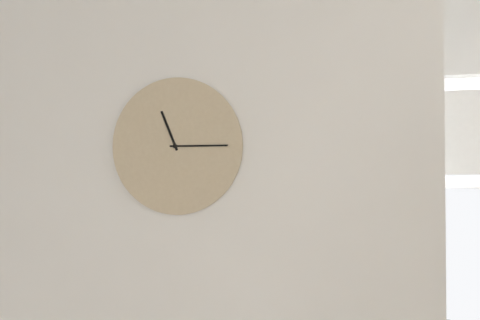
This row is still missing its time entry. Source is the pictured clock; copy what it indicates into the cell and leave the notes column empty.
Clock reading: 11:15
